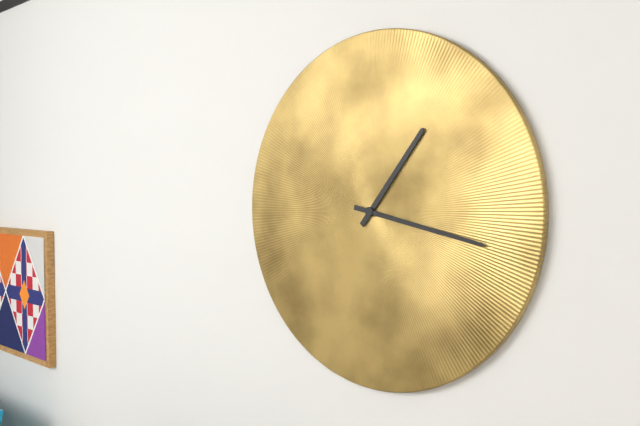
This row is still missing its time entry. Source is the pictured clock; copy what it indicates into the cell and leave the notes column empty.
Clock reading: 1:17
